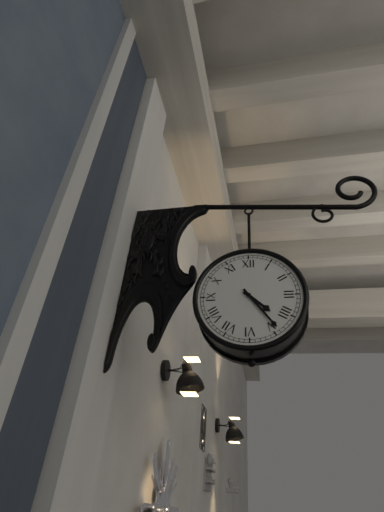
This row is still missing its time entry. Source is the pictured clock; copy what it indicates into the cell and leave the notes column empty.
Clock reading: 4:24
